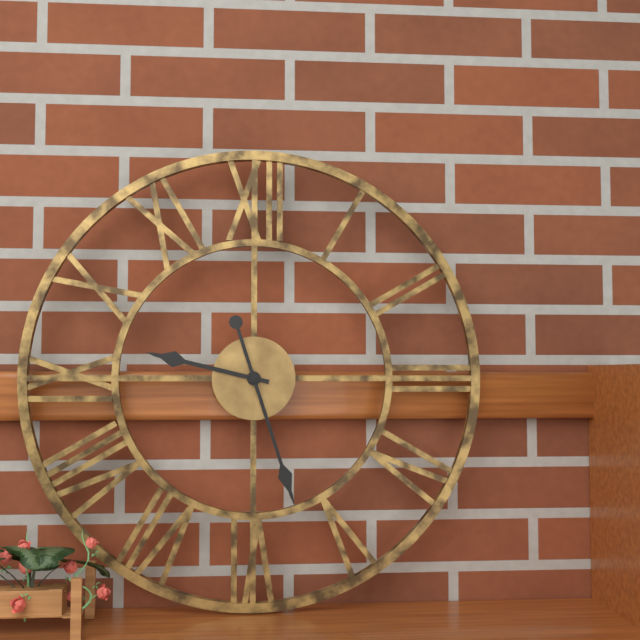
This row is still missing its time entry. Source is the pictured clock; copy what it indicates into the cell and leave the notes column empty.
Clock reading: 9:27
